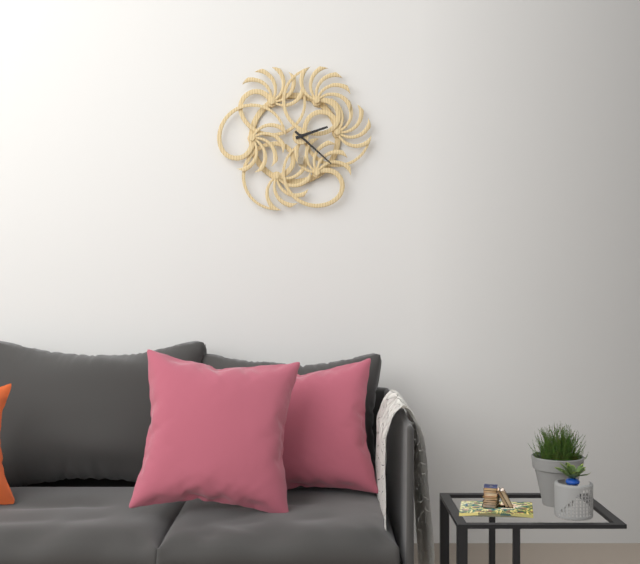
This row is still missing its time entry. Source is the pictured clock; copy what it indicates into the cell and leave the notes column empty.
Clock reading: 2:22
